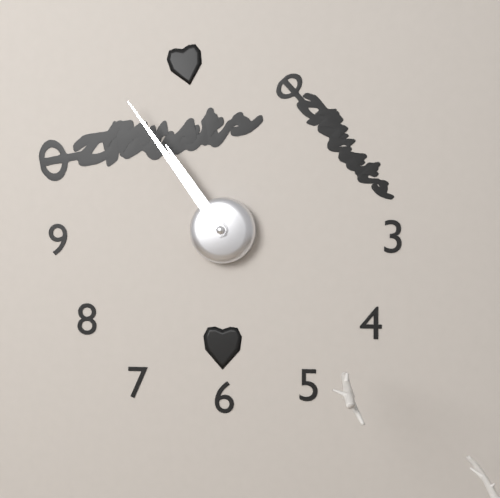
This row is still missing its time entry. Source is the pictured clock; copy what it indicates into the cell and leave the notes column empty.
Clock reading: 10:54
